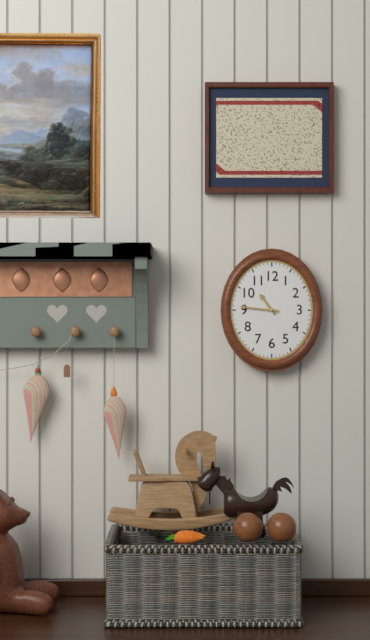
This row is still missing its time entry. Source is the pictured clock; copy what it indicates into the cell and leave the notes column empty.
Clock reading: 10:46
